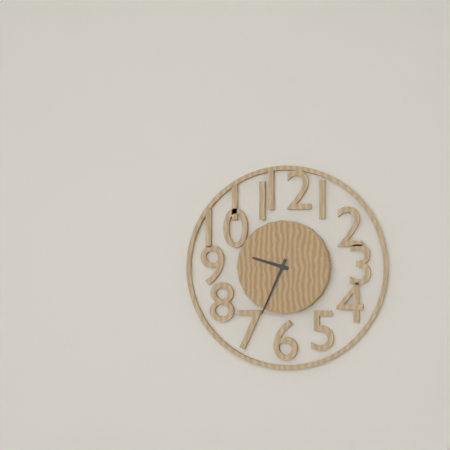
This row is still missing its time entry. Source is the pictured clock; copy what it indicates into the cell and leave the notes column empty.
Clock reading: 9:34
